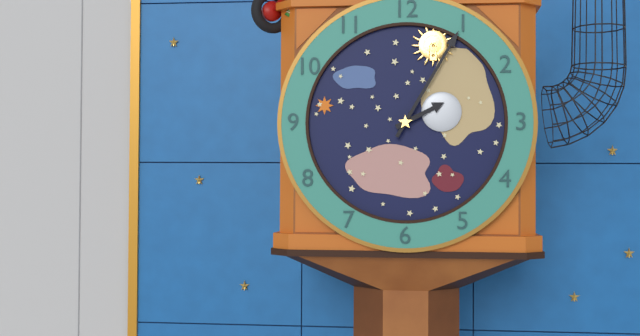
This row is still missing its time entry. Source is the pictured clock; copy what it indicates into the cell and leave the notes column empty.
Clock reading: 2:05
